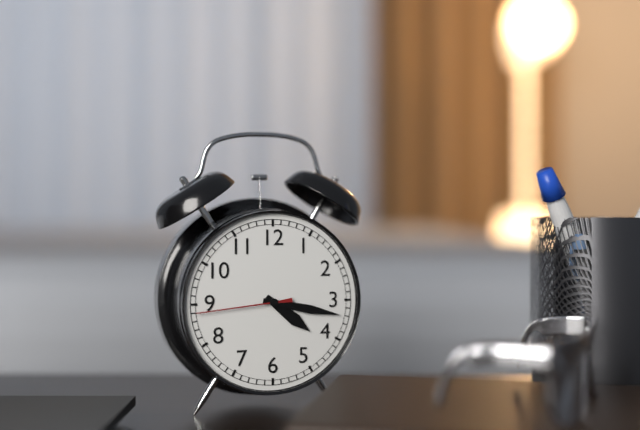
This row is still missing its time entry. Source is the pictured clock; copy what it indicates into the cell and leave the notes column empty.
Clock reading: 4:17:44
